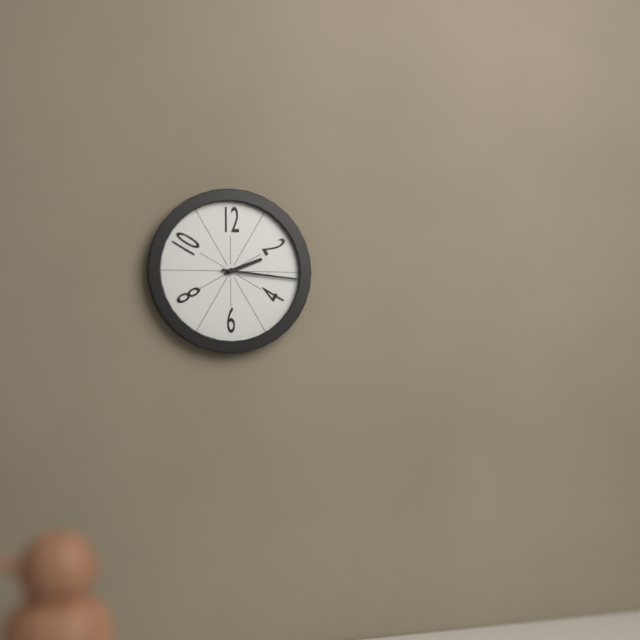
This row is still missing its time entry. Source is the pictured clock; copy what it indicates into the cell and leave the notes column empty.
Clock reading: 2:16
